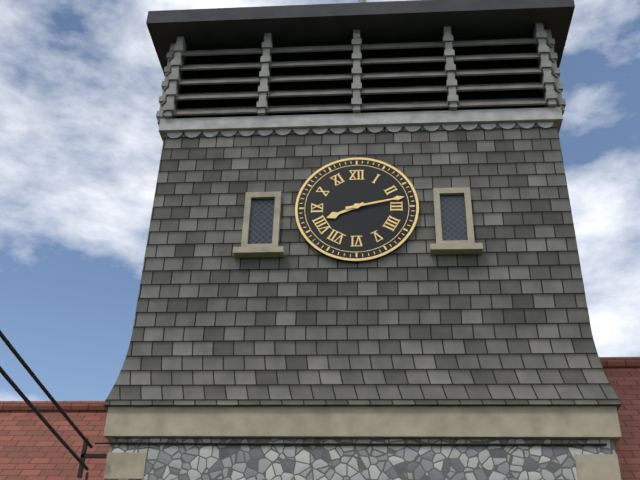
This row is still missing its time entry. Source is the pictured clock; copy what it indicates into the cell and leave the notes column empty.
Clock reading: 8:13
